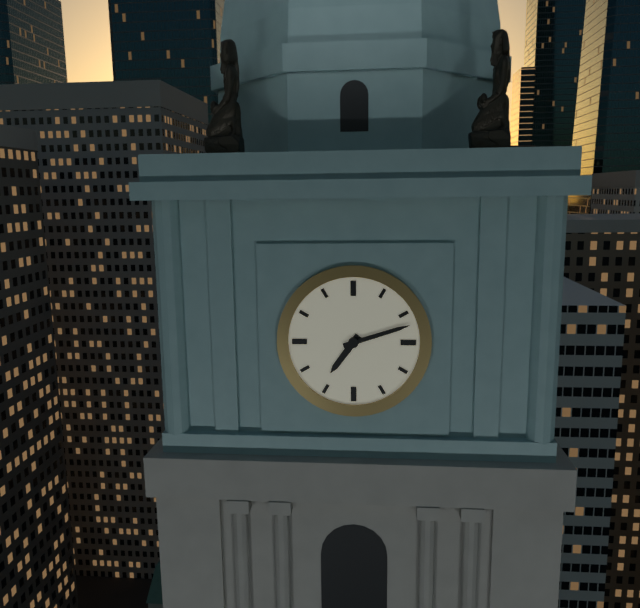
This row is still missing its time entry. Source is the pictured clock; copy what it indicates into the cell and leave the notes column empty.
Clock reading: 7:12
